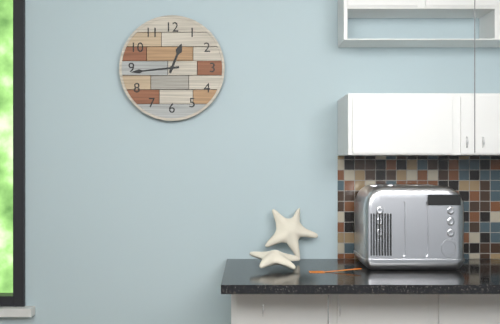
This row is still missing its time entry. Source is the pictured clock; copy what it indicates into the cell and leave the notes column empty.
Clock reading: 12:44
